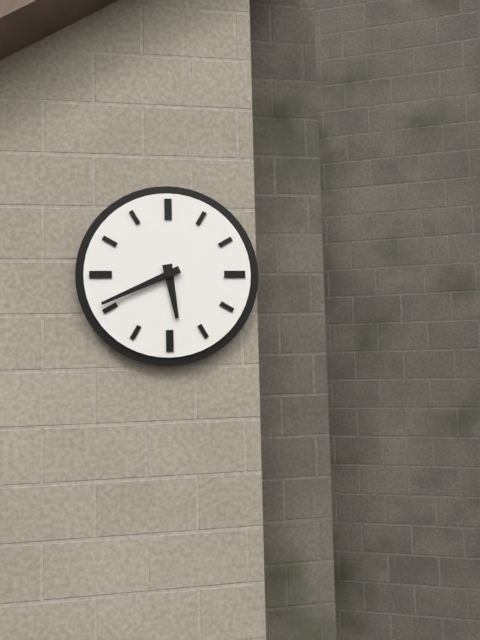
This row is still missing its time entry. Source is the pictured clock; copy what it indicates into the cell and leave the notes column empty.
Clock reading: 5:41
